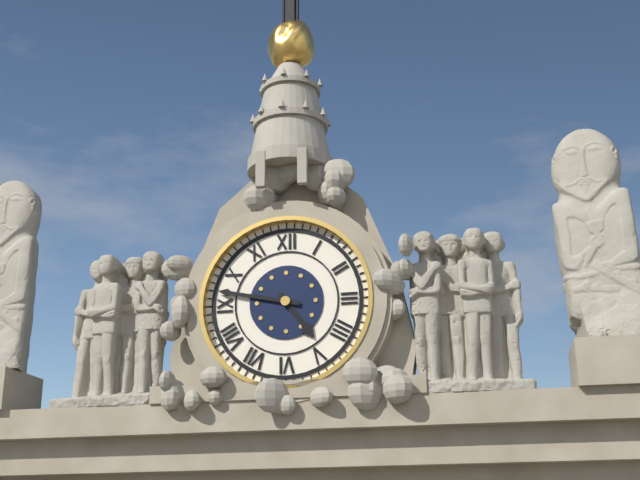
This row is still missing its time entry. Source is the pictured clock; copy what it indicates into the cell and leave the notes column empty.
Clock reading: 4:47
